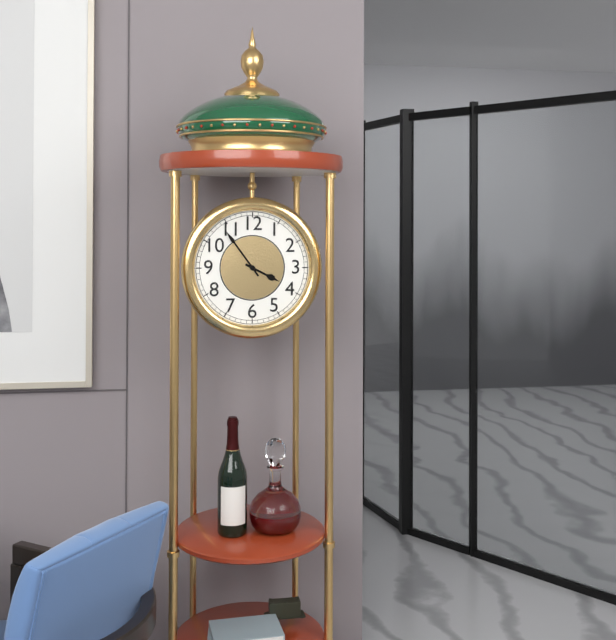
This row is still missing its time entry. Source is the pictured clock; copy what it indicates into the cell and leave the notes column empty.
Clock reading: 3:54
